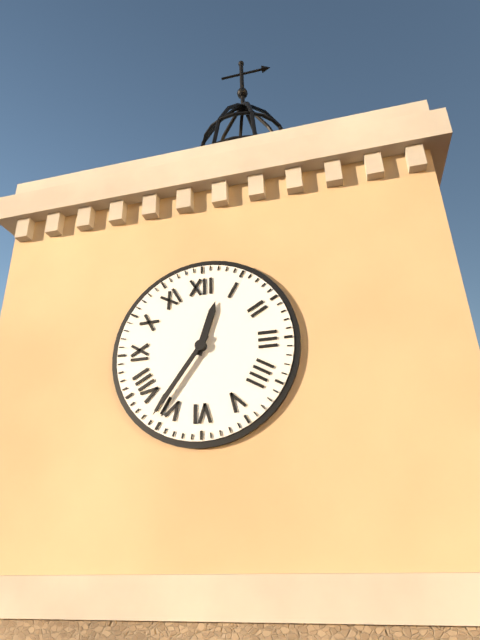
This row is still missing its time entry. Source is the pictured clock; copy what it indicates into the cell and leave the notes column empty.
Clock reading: 12:36
